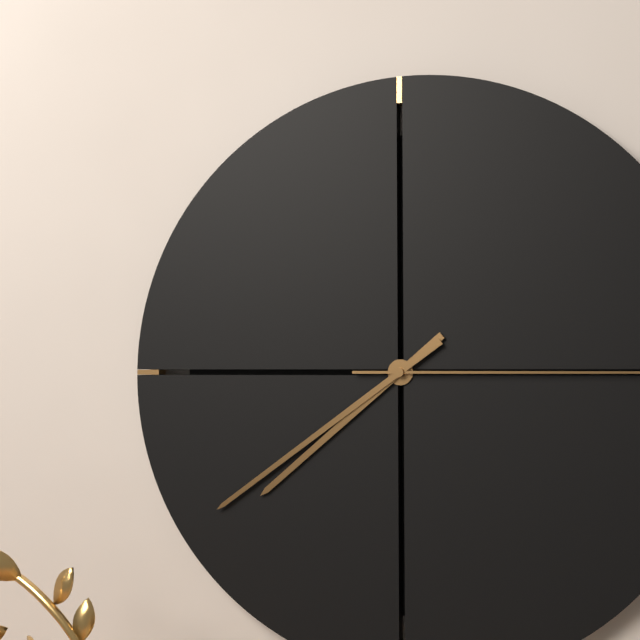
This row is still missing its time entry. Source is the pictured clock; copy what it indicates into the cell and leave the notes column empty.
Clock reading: 7:39
